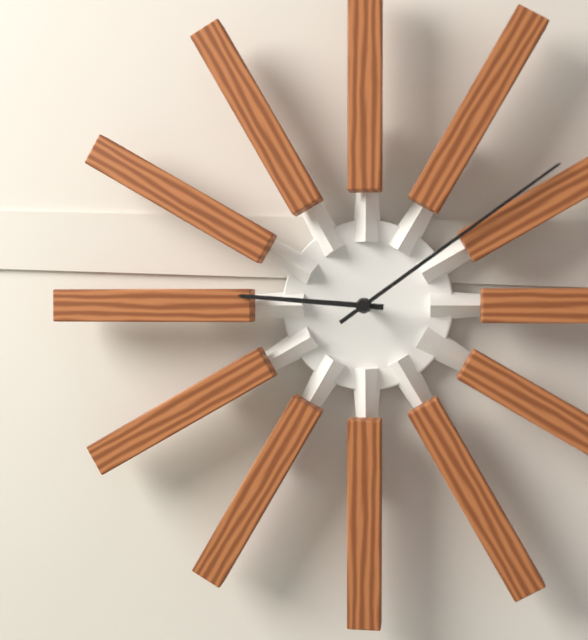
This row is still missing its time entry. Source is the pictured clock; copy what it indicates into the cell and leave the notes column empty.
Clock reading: 9:09
